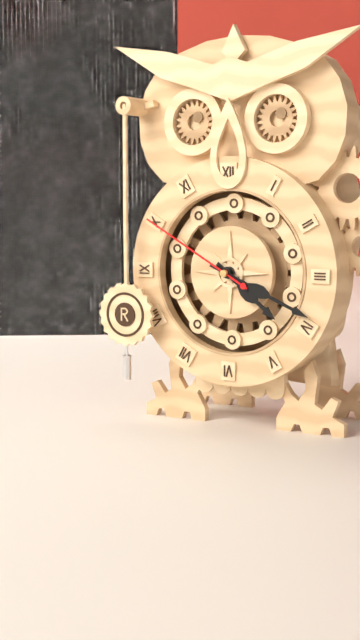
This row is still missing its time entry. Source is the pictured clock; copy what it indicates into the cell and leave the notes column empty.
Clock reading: 4:19:50
